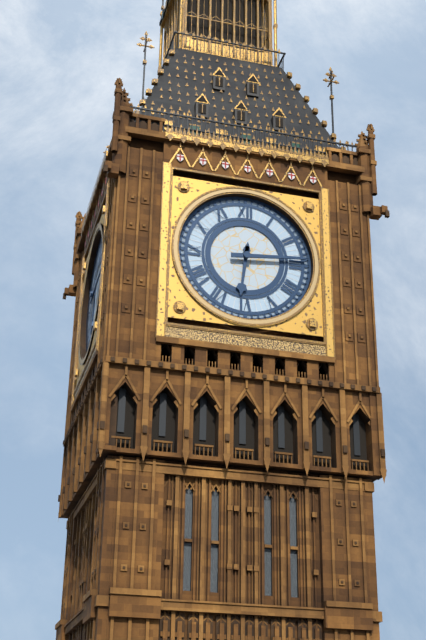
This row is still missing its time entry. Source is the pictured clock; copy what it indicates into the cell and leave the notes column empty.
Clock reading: 6:14
